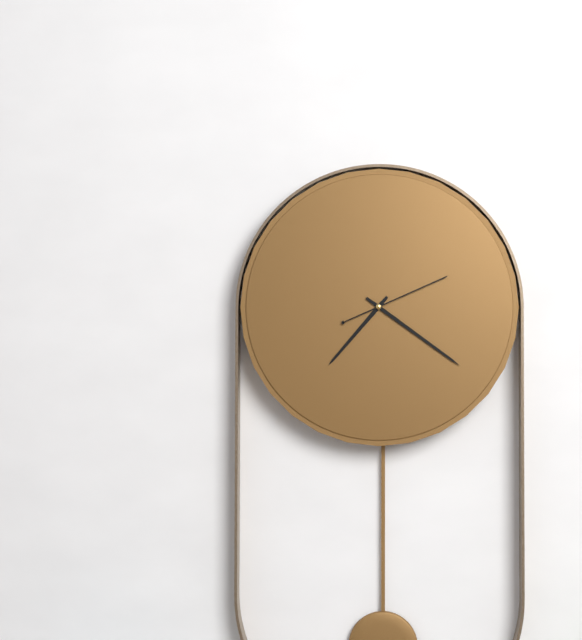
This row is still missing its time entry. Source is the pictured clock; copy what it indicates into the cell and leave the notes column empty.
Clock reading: 7:21:11
